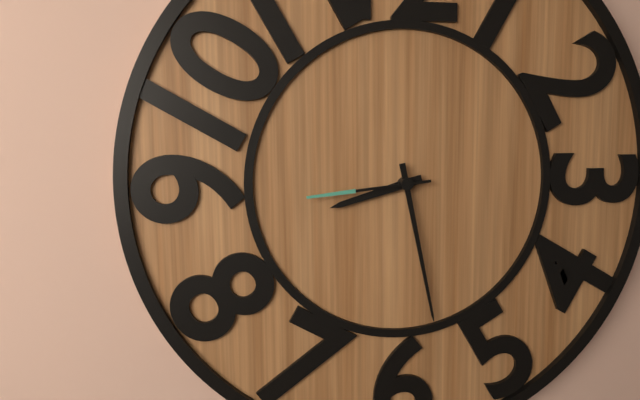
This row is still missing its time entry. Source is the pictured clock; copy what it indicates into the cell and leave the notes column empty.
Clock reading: 8:28:44
